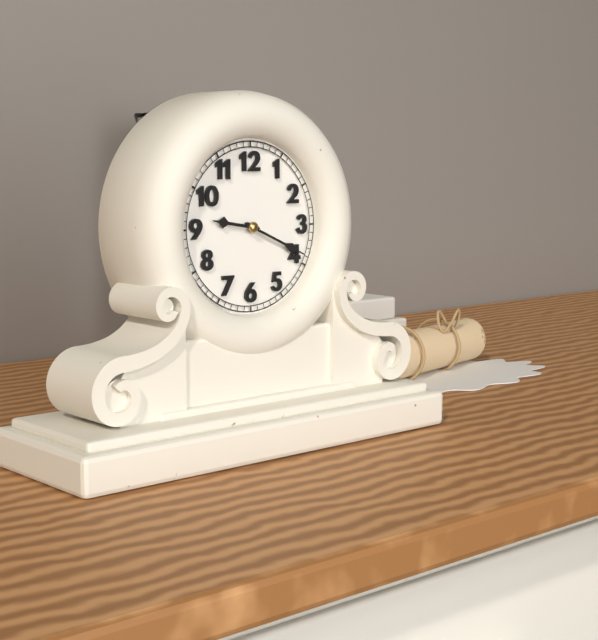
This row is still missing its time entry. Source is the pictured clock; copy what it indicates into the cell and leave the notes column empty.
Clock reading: 9:19
